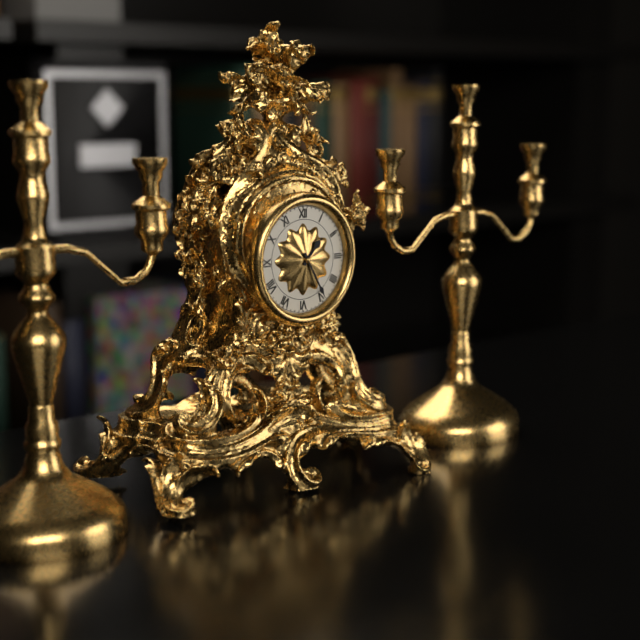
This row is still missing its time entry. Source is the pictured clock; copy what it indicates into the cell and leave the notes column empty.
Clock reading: 1:25
